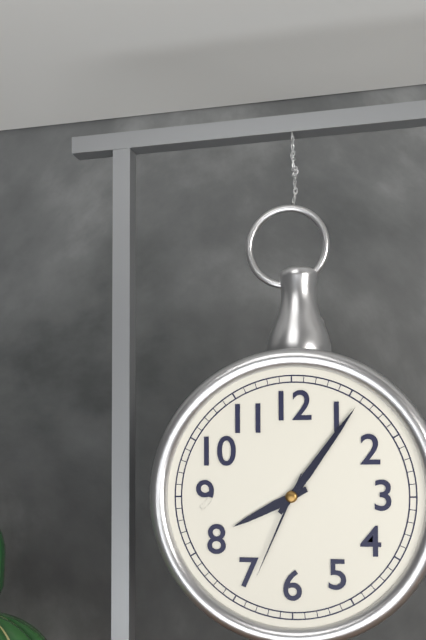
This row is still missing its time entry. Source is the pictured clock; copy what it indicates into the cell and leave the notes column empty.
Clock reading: 8:06:34
